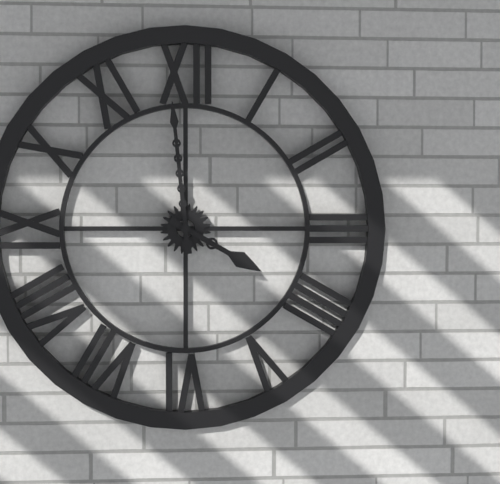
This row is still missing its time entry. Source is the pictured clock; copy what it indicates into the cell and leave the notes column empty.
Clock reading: 3:59
